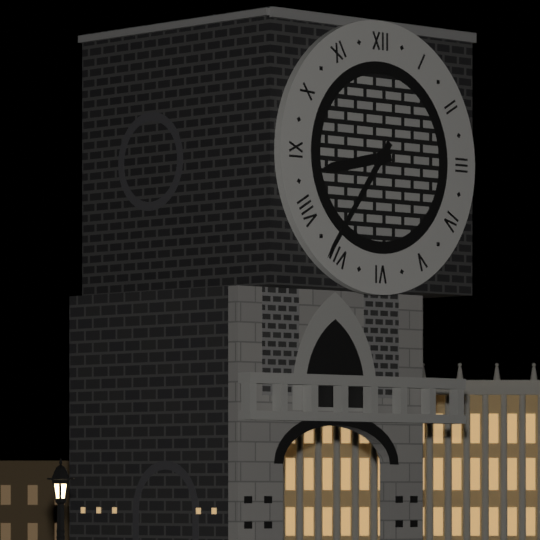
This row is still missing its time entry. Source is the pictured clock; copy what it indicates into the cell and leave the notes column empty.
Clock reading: 8:36
